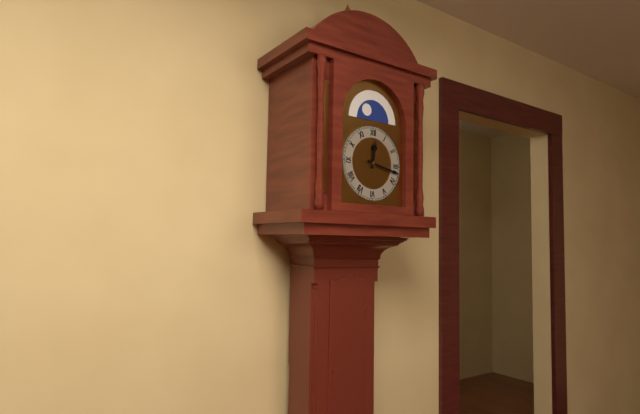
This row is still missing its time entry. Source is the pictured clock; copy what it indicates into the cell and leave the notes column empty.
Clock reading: 12:17
